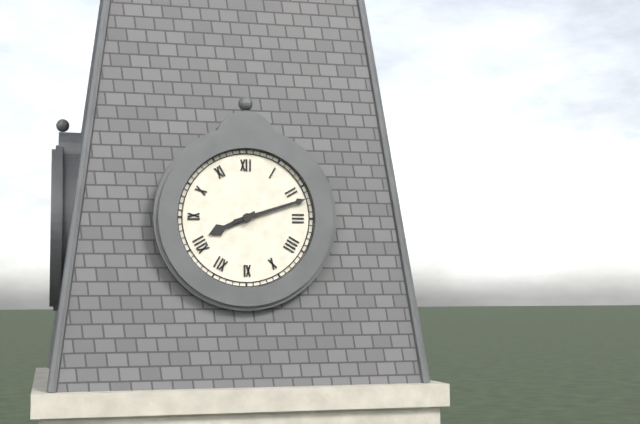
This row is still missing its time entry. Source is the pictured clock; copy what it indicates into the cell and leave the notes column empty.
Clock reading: 8:12
